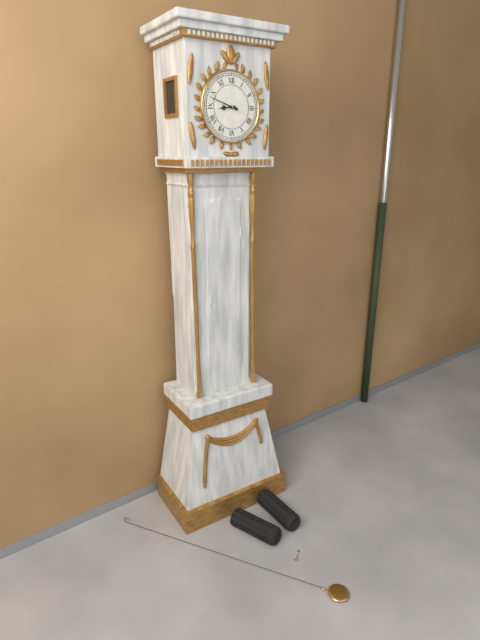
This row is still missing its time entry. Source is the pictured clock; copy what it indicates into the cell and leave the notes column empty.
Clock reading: 8:48
